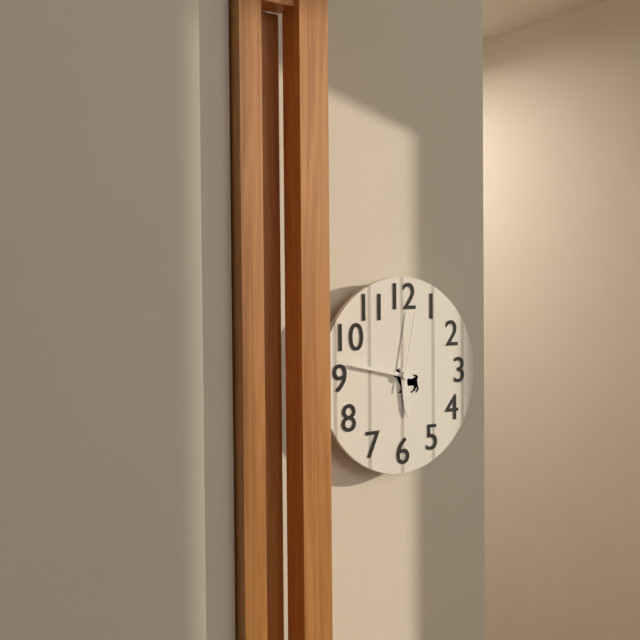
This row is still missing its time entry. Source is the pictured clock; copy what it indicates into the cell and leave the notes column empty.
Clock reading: 5:47:02
